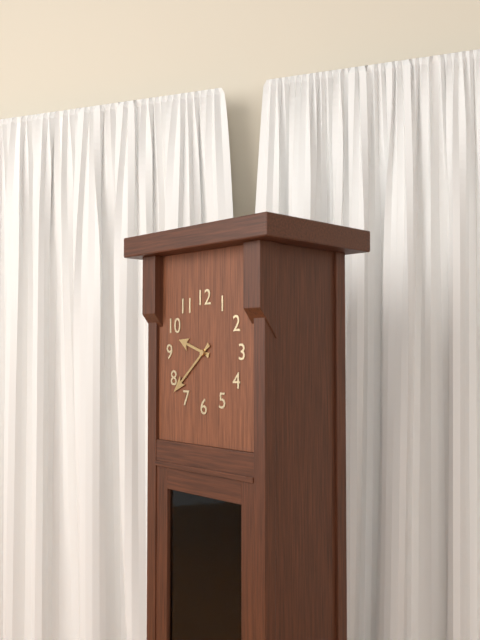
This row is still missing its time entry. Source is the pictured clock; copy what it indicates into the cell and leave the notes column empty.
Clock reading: 9:38
